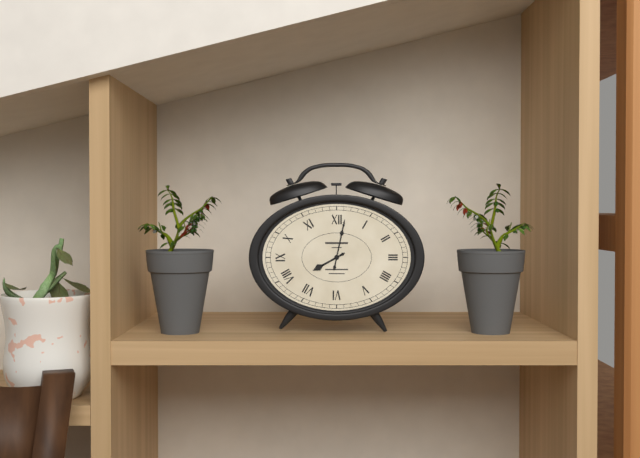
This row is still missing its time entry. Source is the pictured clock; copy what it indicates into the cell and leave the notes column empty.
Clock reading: 8:02
